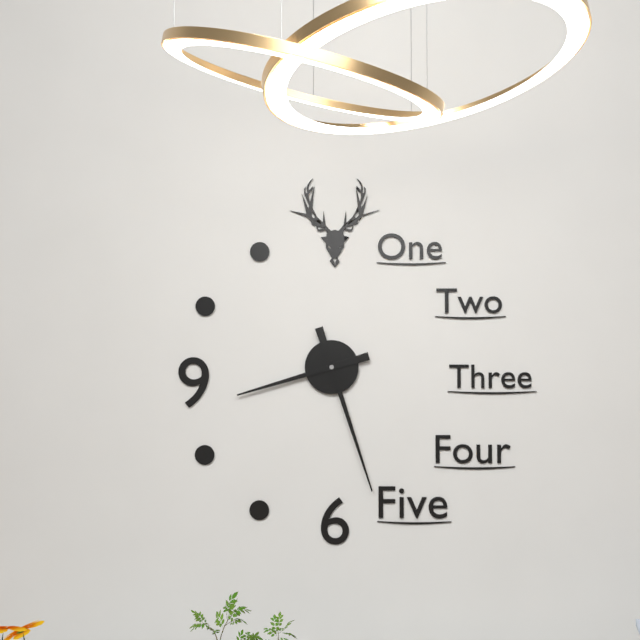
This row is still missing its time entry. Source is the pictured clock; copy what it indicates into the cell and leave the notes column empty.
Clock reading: 8:27
